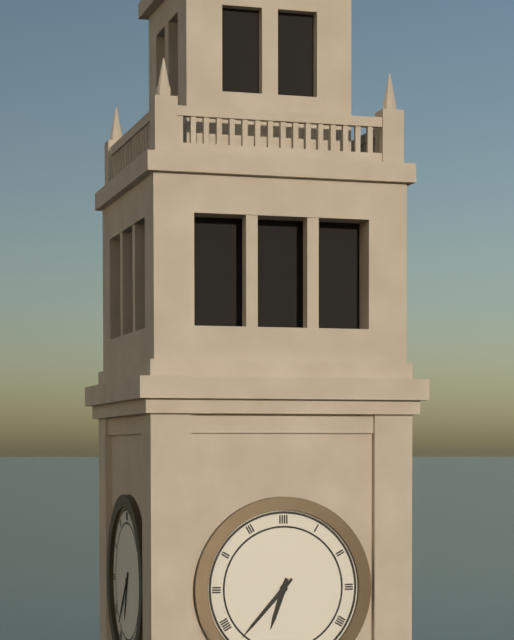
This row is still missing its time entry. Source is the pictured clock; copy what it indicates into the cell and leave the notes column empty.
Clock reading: 6:37
